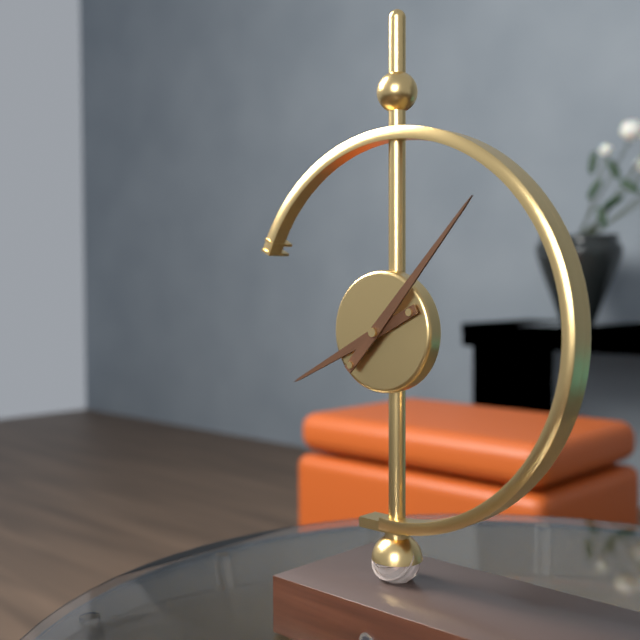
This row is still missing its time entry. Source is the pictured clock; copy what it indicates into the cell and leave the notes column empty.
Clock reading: 8:07
